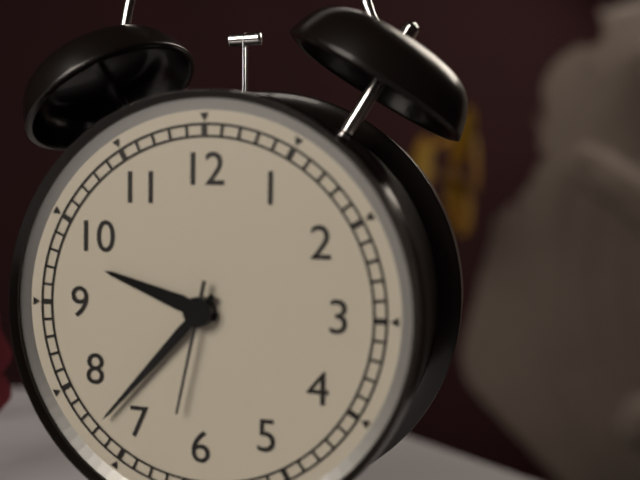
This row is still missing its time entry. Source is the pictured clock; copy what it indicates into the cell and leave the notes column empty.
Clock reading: 9:37:32
